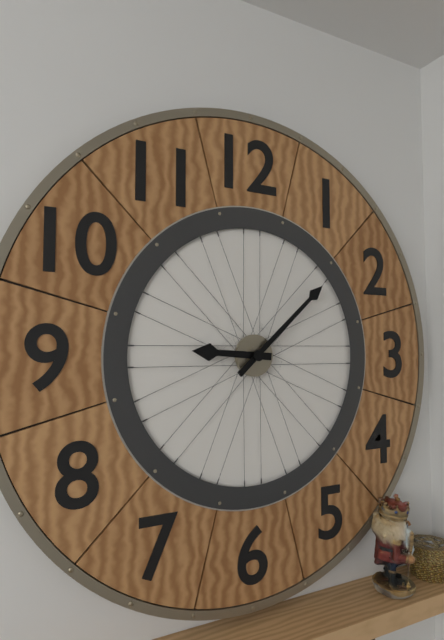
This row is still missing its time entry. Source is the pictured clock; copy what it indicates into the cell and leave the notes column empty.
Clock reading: 9:08
